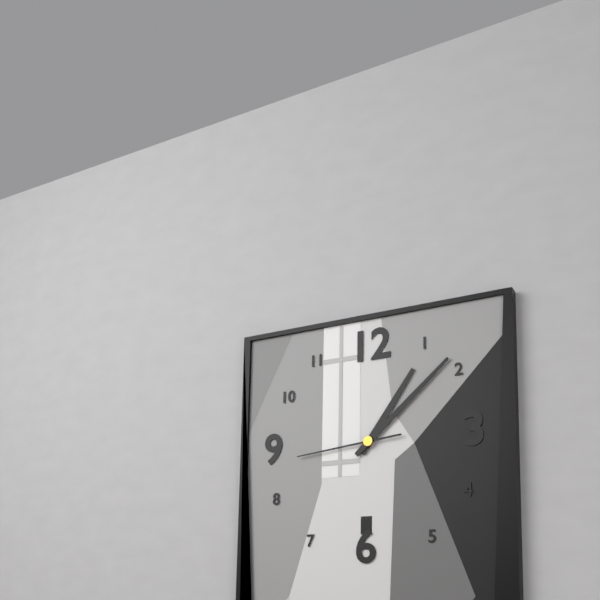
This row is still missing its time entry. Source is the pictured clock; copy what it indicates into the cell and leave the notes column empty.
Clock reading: 1:08:44
